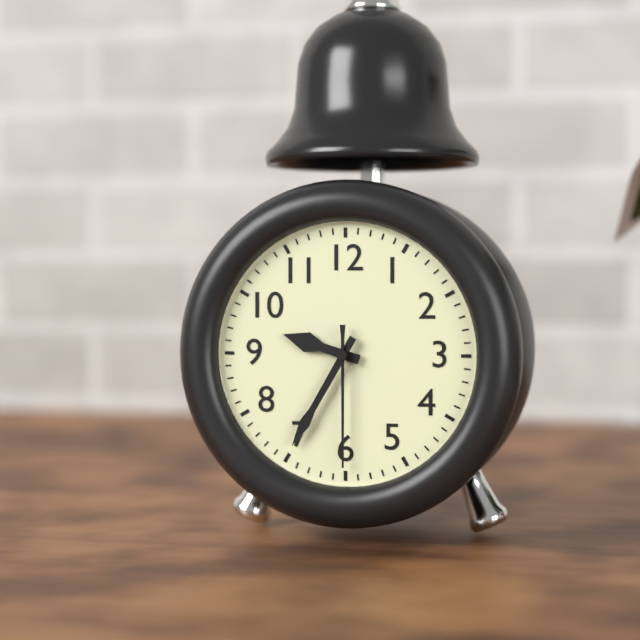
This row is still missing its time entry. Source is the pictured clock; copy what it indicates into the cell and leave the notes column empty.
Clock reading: 9:35:30
